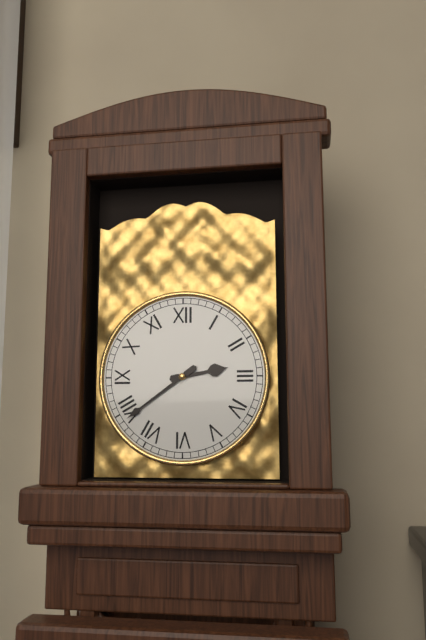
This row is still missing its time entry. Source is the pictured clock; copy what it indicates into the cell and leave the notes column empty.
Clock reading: 2:39
